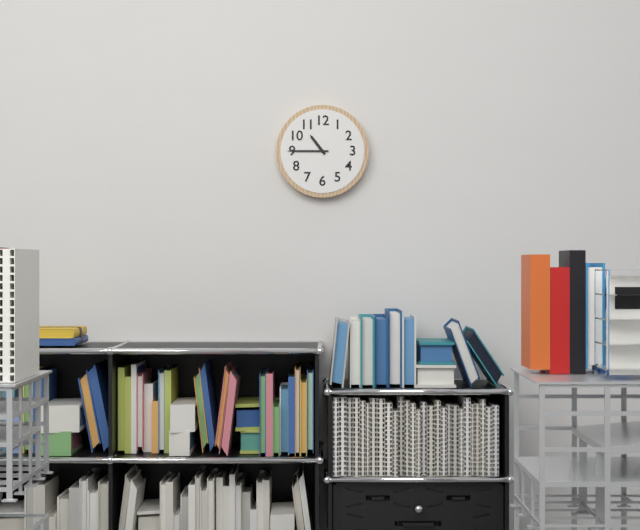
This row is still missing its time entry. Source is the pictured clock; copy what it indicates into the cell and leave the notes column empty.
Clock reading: 10:45
